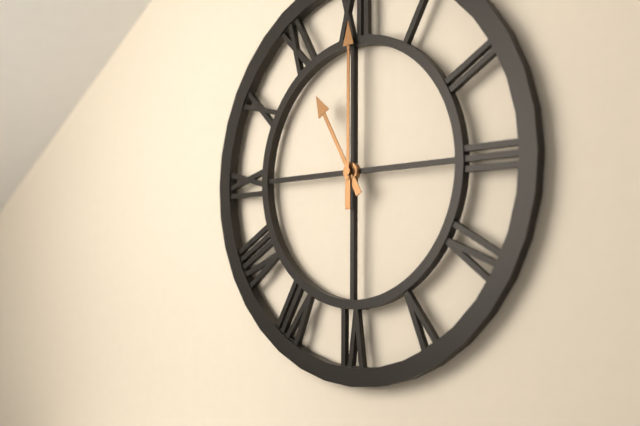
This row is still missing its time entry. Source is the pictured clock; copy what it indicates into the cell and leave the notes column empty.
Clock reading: 11:00
